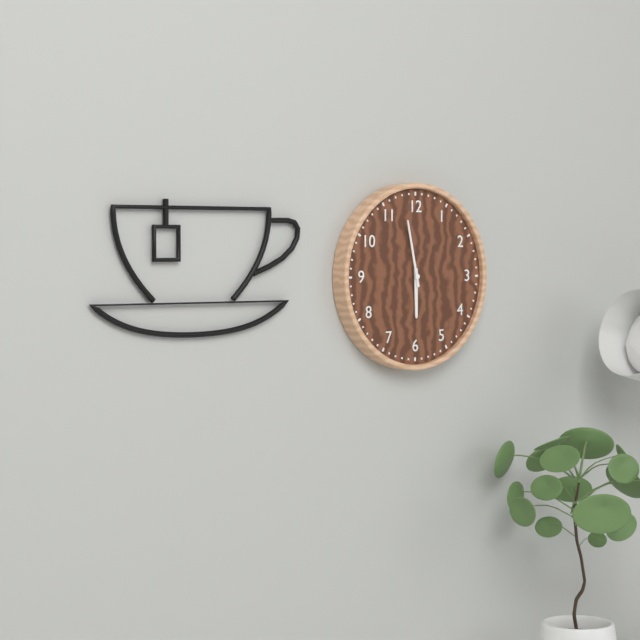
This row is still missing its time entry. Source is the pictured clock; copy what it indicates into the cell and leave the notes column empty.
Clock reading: 5:58
